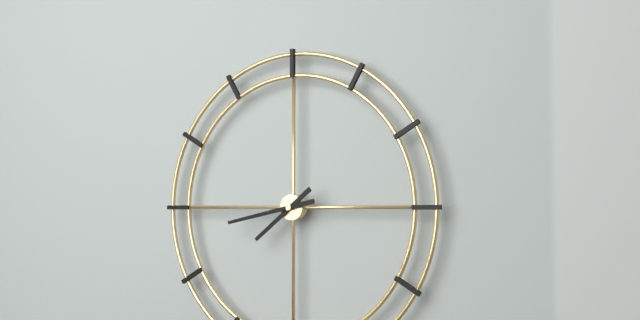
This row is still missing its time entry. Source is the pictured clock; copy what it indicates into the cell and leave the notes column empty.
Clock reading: 7:43
